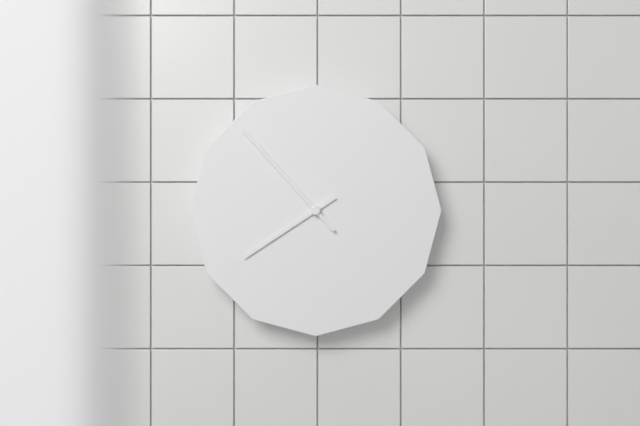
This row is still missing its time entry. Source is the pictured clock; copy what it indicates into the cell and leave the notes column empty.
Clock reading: 7:53
